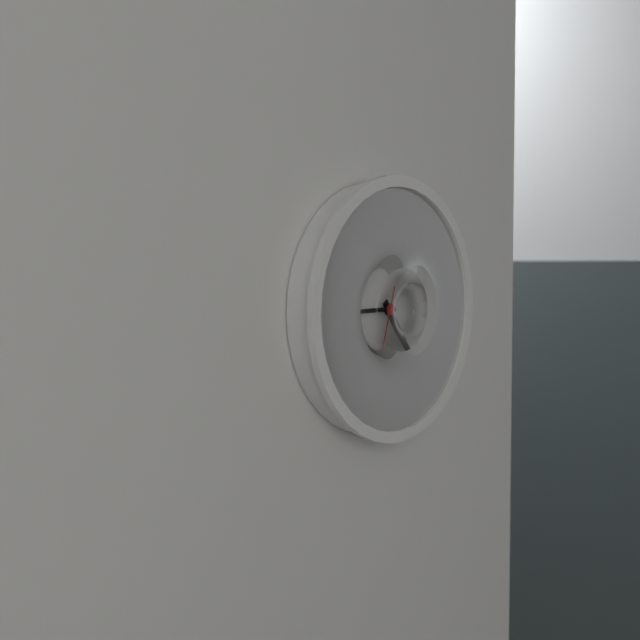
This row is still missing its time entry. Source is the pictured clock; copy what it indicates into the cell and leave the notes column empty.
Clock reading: 4:45:33
